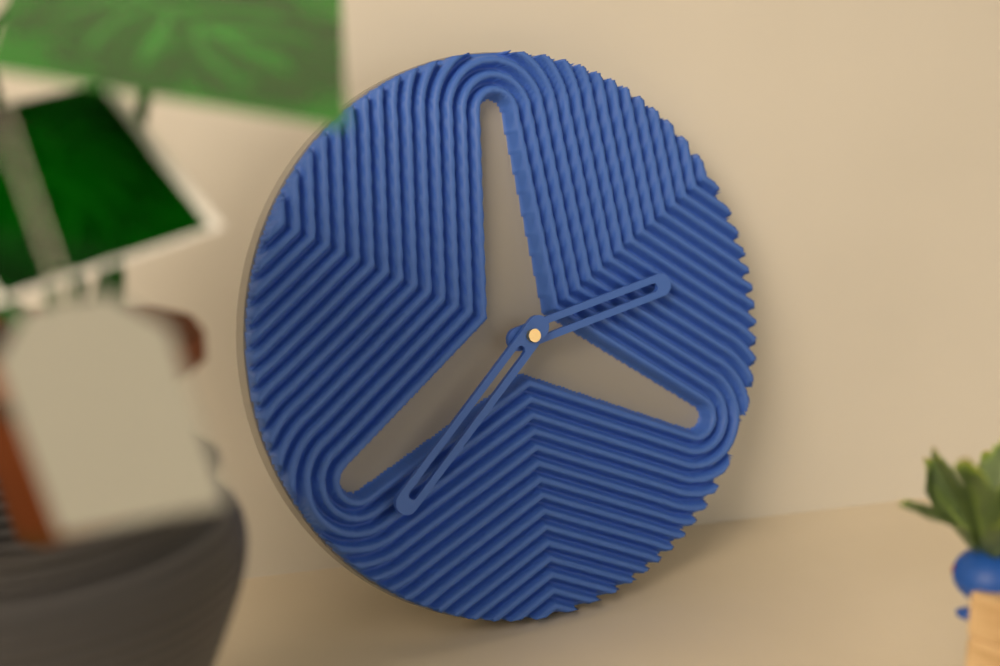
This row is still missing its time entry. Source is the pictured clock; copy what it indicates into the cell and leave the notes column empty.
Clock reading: 2:38
